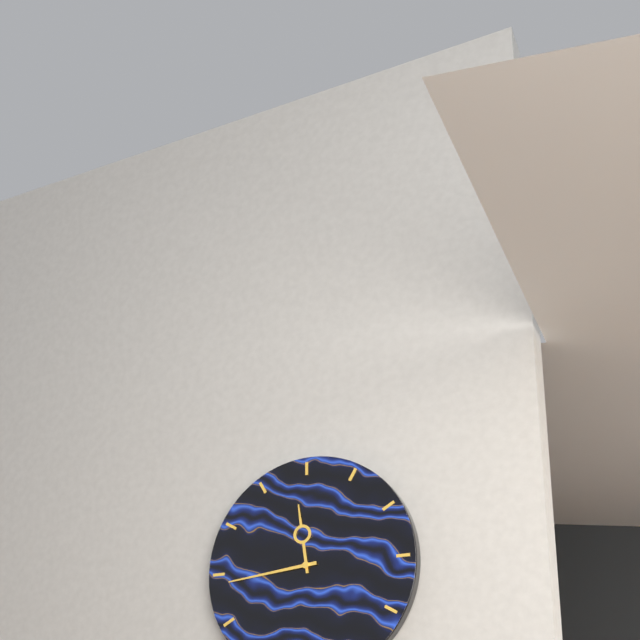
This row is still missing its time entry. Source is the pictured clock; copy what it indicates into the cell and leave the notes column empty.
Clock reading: 11:44
